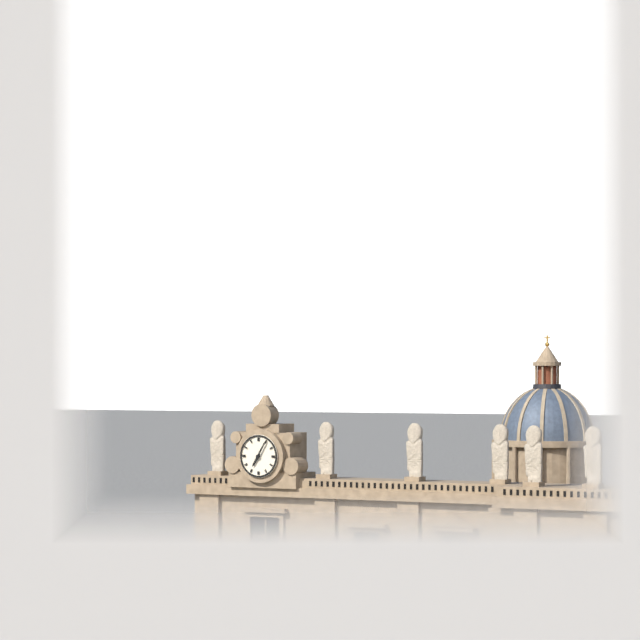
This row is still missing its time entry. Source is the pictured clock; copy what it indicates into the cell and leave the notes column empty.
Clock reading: 7:05
